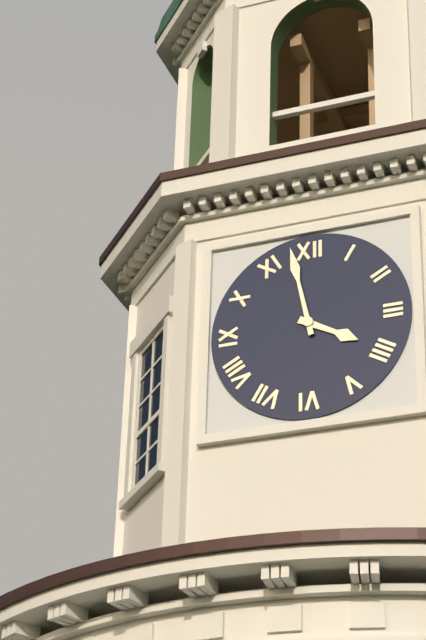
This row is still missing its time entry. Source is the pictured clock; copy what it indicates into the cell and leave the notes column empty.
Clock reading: 3:58
